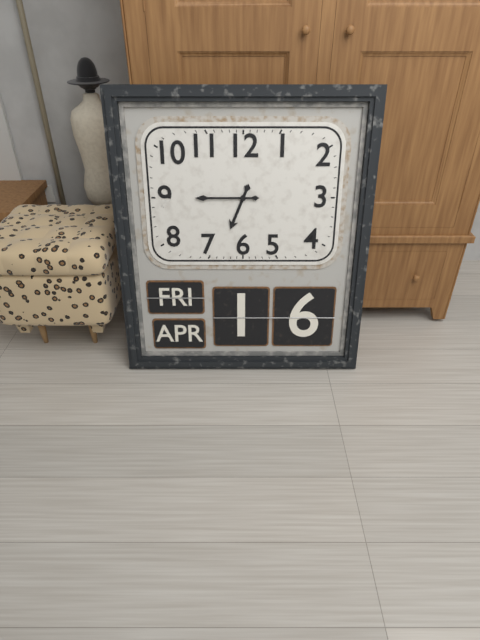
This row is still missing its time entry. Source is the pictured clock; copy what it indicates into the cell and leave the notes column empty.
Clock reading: 6:45
